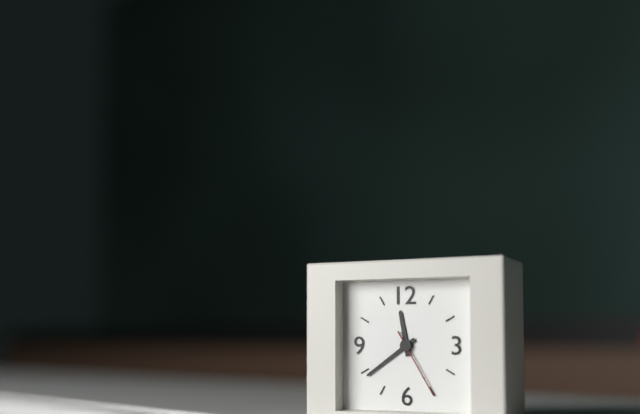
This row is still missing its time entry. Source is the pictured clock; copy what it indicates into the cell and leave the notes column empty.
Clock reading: 11:39:25
